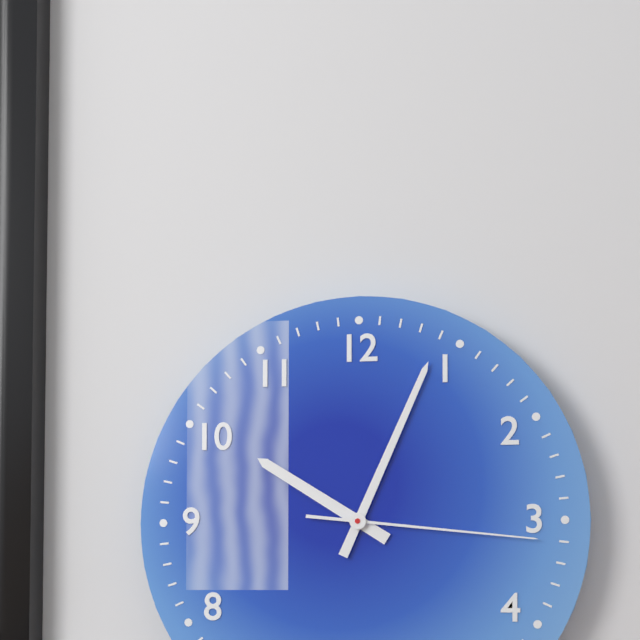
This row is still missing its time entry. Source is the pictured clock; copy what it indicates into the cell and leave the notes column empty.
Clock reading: 10:04:16
